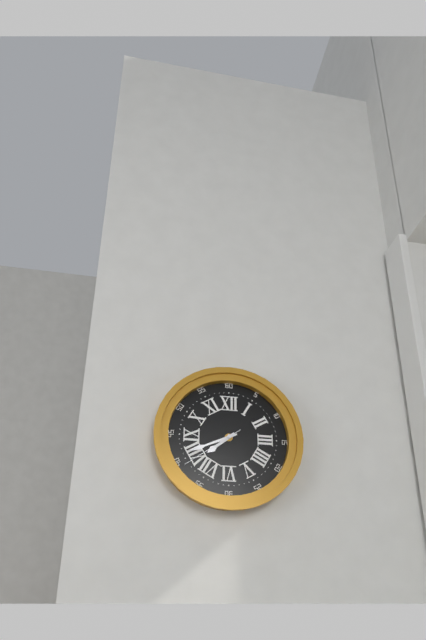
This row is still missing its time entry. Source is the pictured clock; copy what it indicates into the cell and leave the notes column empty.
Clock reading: 7:41:39
